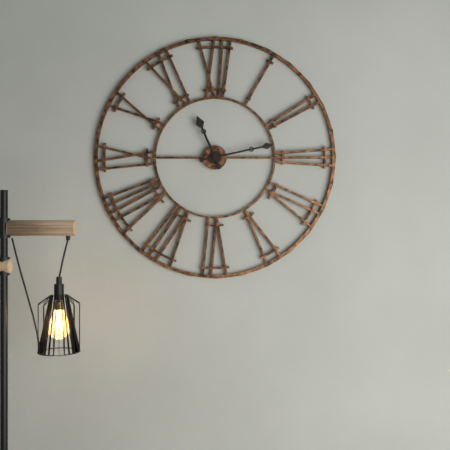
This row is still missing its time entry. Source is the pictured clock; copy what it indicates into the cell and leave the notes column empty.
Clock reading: 11:13
